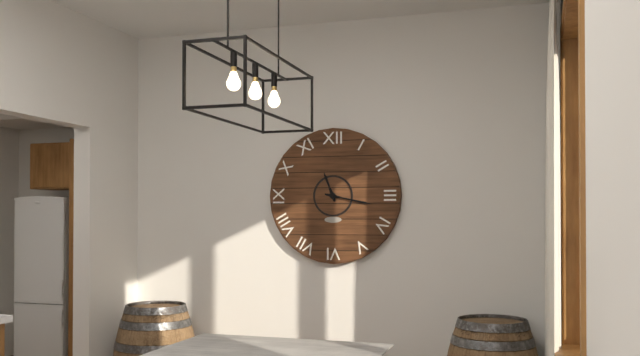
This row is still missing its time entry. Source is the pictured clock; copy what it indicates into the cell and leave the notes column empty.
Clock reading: 11:17
